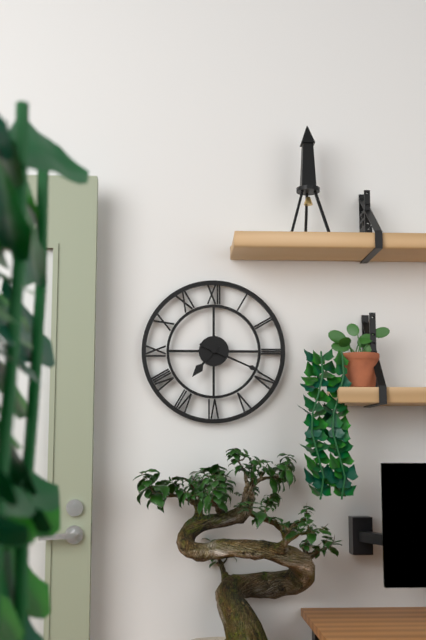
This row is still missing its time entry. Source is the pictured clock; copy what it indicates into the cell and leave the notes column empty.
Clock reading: 7:19
